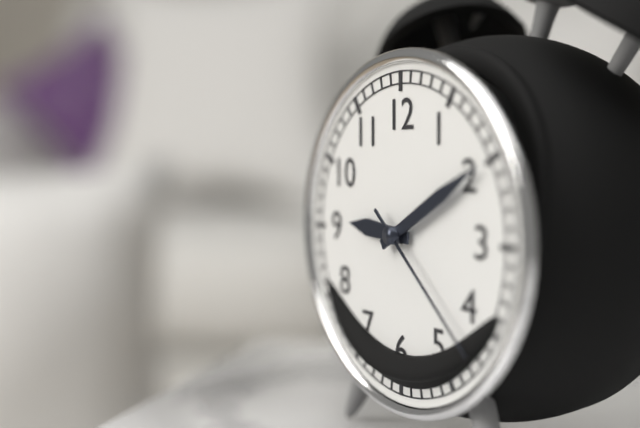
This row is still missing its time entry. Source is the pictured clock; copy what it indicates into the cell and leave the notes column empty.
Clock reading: 9:10:22
